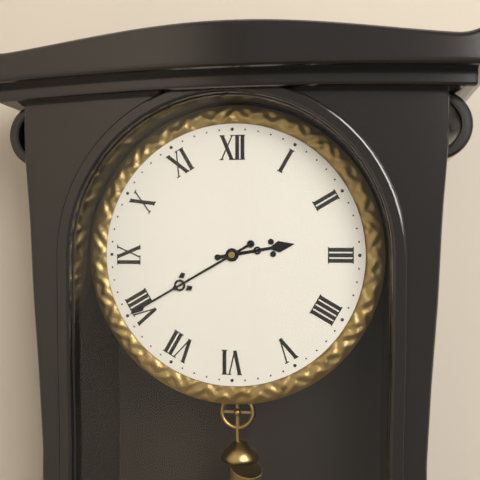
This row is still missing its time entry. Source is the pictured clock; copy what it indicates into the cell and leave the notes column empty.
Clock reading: 2:40
